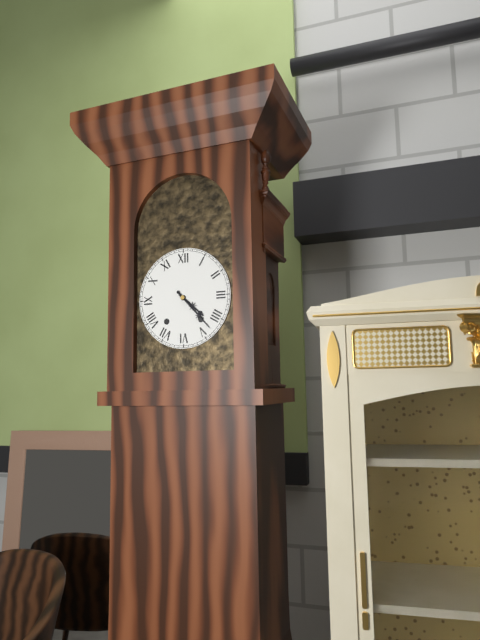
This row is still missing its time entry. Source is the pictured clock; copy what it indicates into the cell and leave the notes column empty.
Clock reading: 4:23
